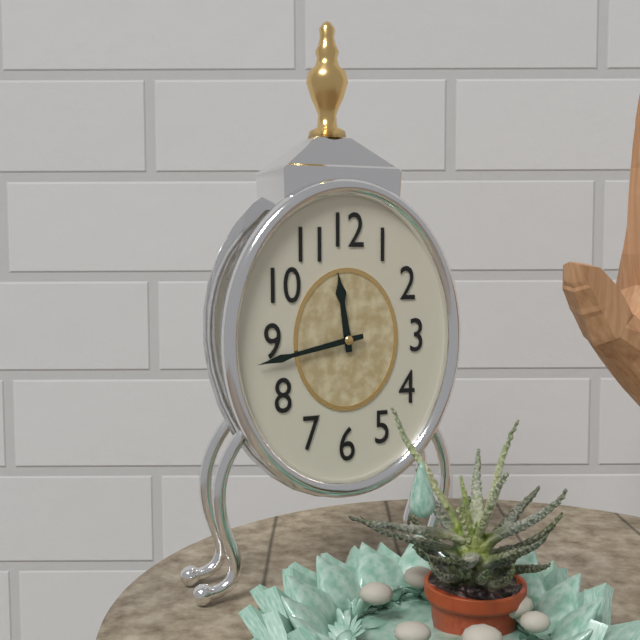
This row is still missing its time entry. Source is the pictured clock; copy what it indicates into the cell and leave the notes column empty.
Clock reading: 11:43
